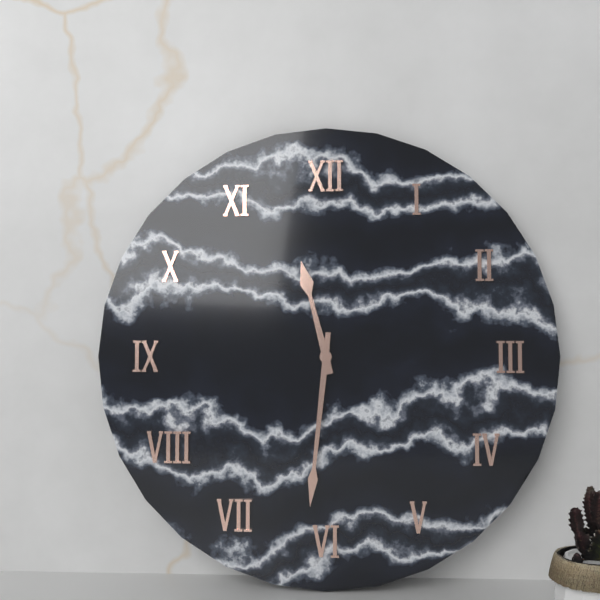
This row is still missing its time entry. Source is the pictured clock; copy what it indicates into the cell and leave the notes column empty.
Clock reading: 11:31
